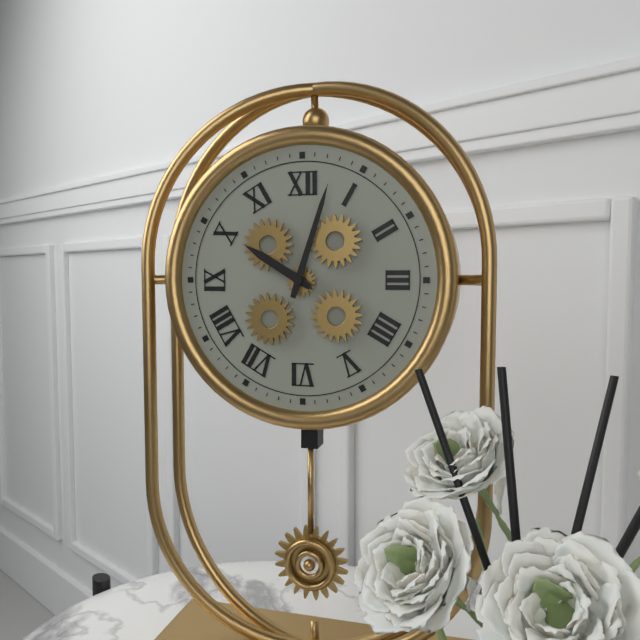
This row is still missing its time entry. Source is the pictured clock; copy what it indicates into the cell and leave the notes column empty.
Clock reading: 10:03
